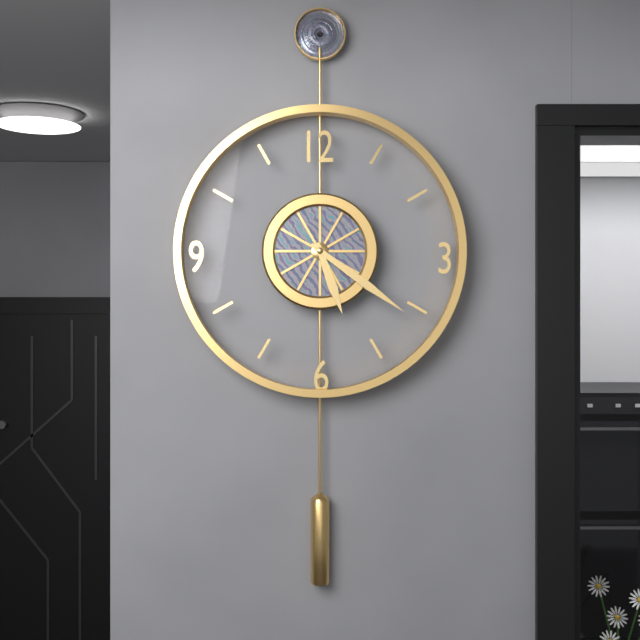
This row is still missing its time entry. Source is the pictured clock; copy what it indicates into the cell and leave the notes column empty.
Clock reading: 5:21
